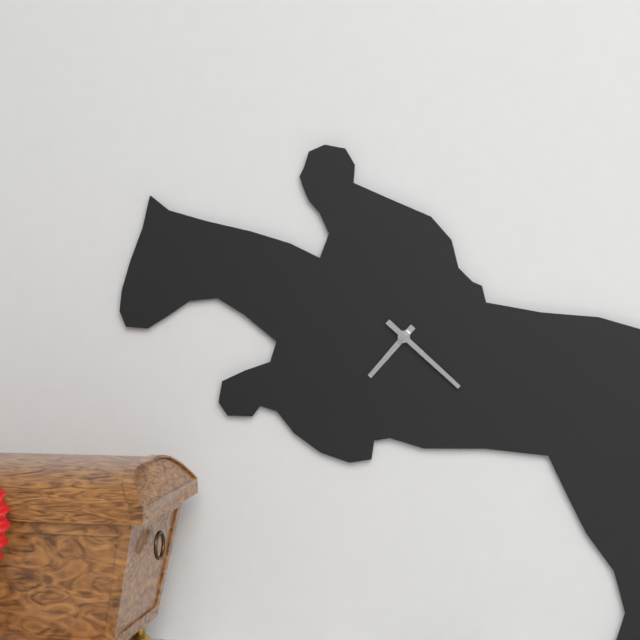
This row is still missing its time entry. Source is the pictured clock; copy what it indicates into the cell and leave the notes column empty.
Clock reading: 7:22
